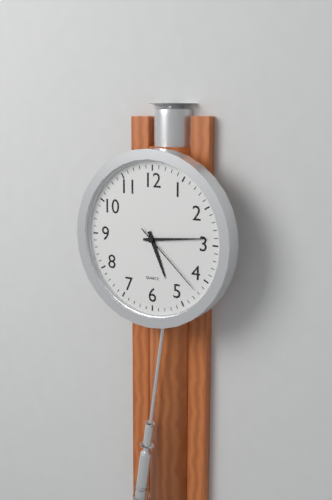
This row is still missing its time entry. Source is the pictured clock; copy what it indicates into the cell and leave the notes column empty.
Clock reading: 5:14:22
